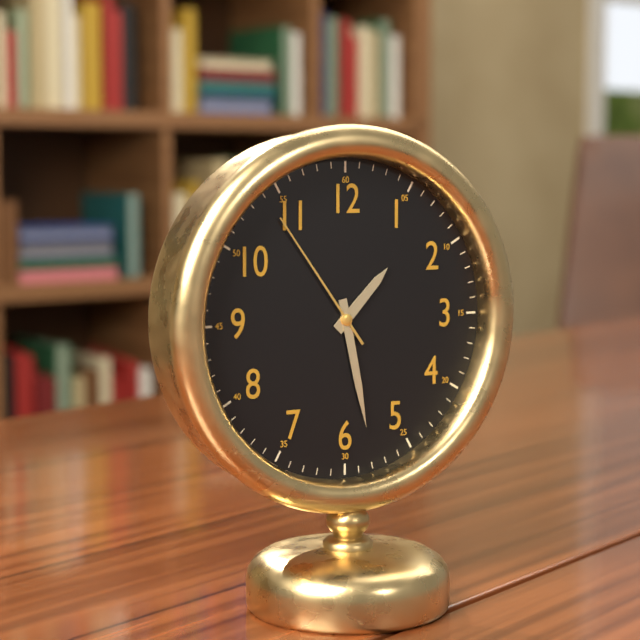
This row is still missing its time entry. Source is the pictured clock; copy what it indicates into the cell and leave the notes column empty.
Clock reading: 1:28:54
